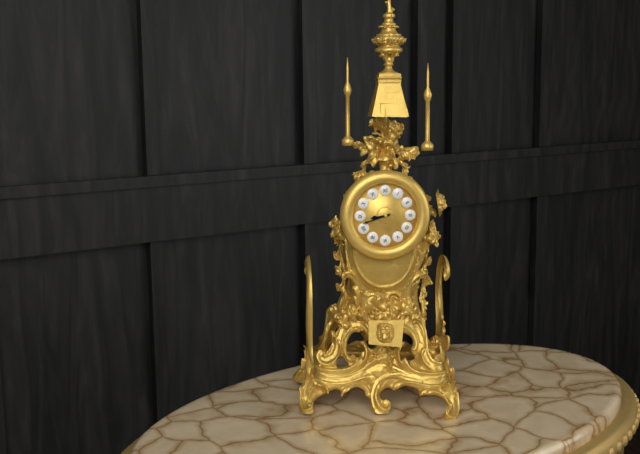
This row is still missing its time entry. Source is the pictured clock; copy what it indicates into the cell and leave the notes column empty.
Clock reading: 8:42
